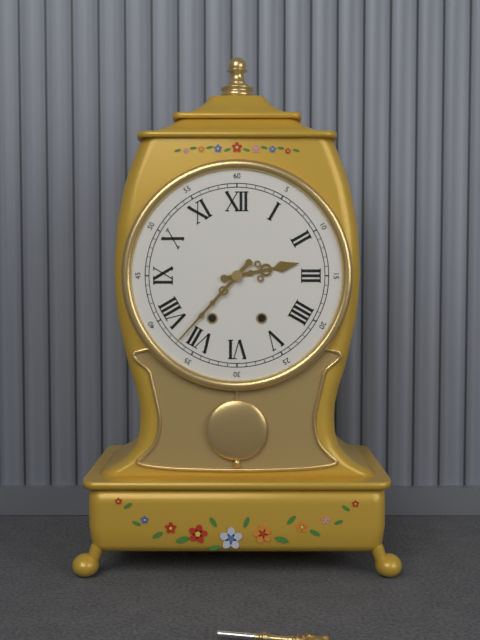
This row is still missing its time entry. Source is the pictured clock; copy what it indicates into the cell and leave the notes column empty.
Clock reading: 2:37
